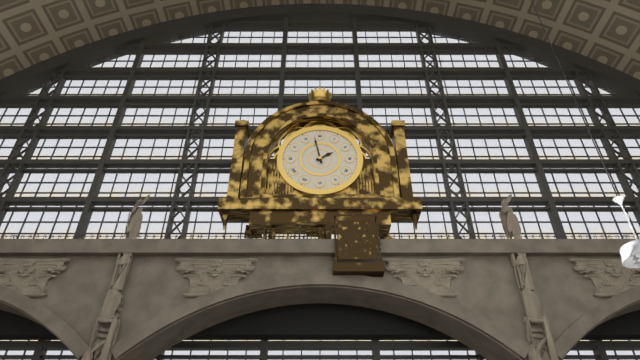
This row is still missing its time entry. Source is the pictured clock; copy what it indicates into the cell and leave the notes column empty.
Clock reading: 1:58
